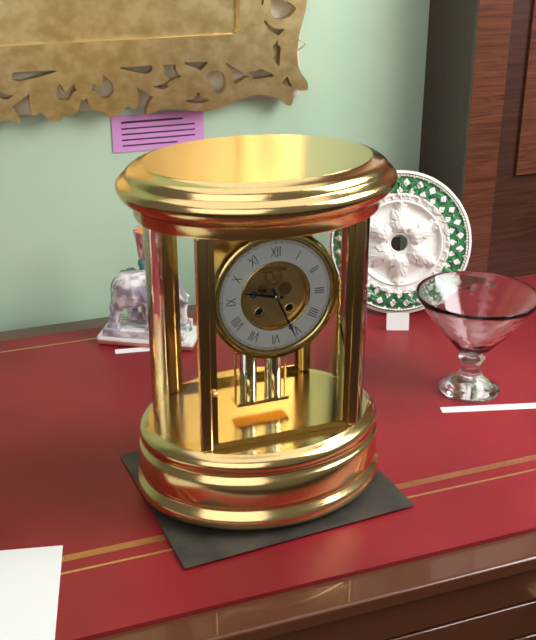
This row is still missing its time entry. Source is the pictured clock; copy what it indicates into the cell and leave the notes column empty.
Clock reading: 9:26
